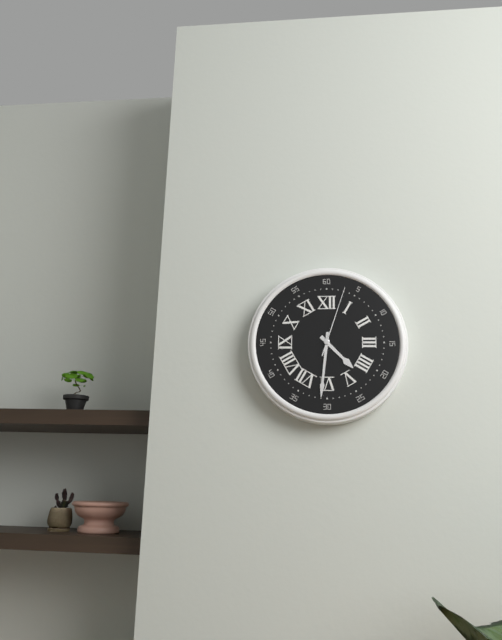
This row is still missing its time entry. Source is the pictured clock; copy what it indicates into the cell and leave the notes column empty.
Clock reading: 4:31:03
